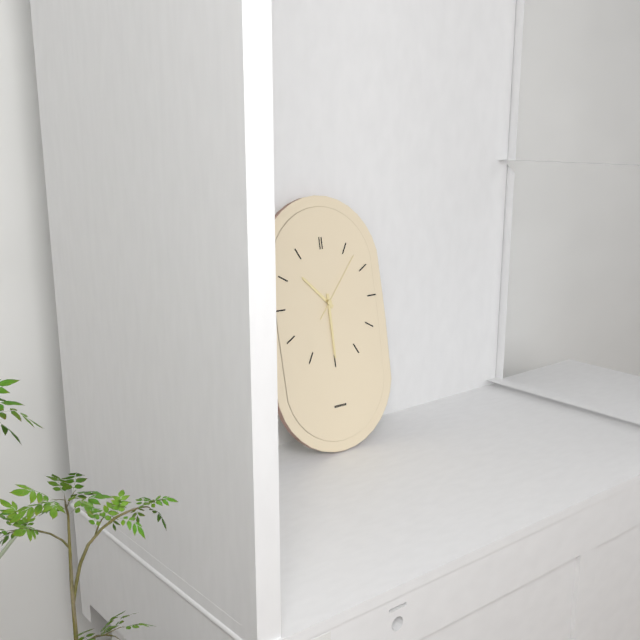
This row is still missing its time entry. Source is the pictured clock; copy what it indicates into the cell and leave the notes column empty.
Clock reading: 10:30:07
